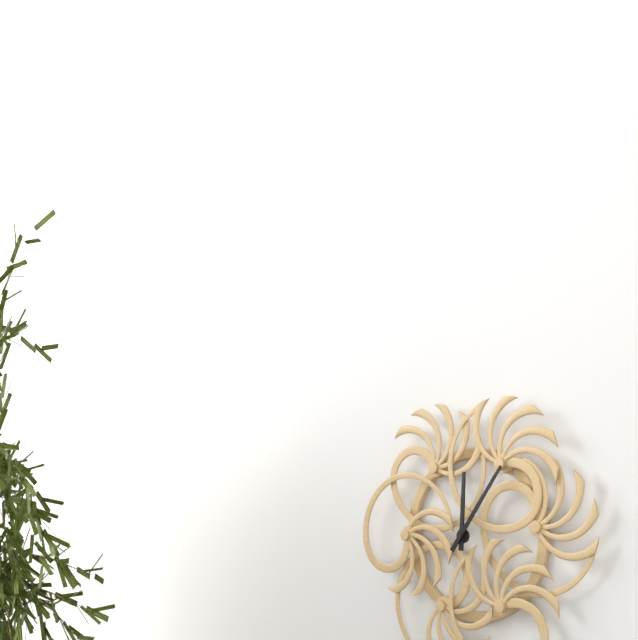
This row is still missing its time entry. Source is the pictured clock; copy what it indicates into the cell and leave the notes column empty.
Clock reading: 12:06
